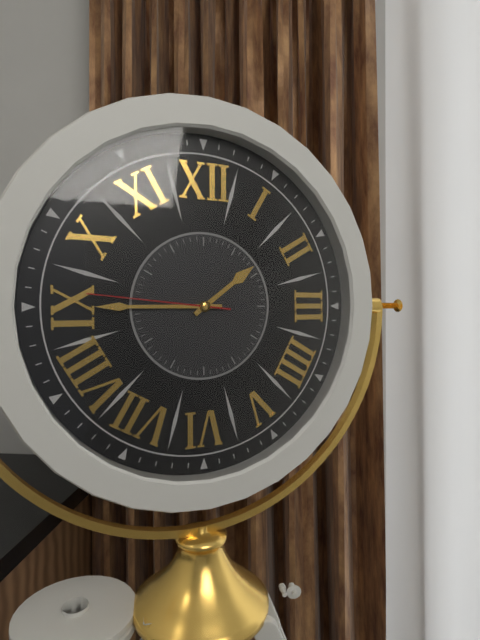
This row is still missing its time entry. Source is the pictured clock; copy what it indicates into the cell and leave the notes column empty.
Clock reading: 1:45:46
